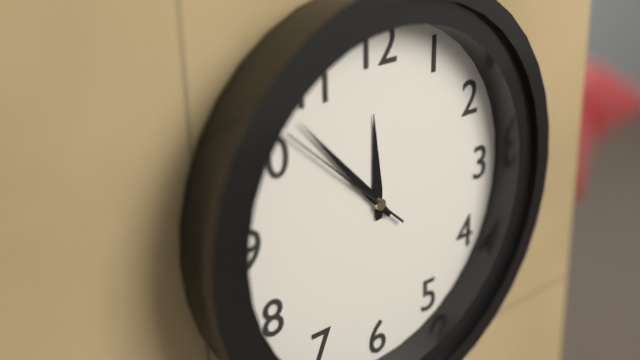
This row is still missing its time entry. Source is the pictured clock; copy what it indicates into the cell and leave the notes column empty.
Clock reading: 11:53:52
